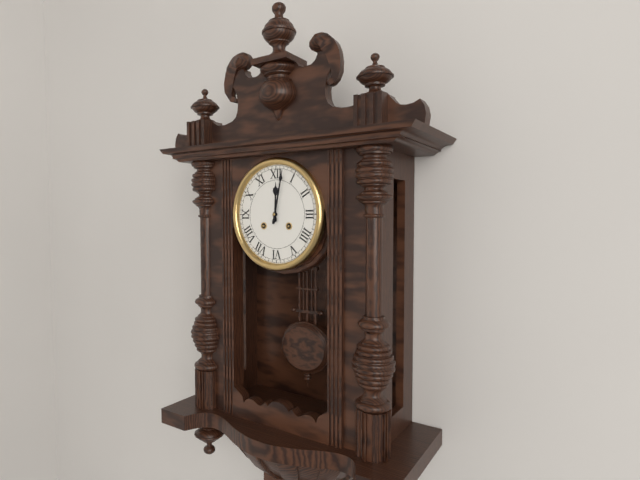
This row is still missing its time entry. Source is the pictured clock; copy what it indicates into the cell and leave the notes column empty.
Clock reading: 12:02
